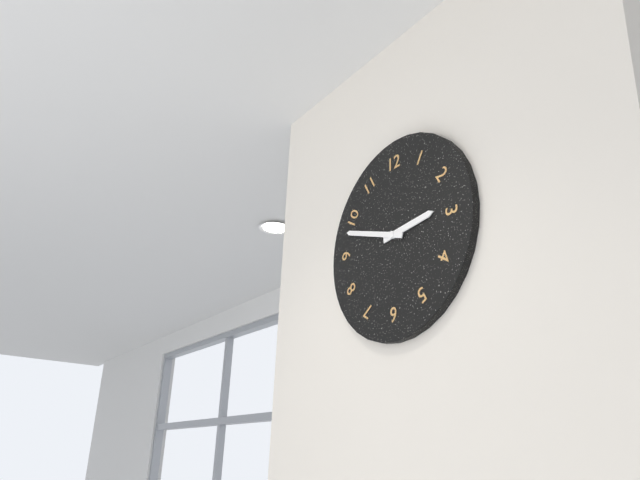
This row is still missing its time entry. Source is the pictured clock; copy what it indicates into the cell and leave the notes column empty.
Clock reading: 2:48
